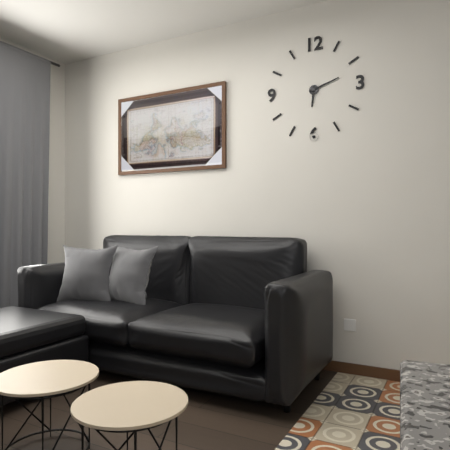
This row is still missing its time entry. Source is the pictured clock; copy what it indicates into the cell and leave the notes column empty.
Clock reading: 6:12
